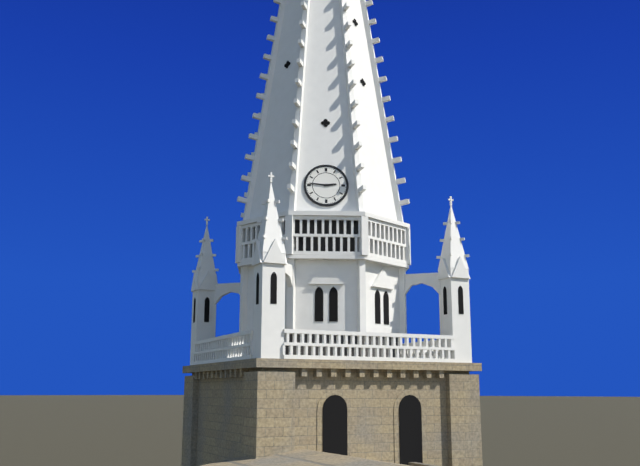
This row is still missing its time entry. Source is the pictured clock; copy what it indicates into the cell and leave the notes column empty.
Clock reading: 2:46
